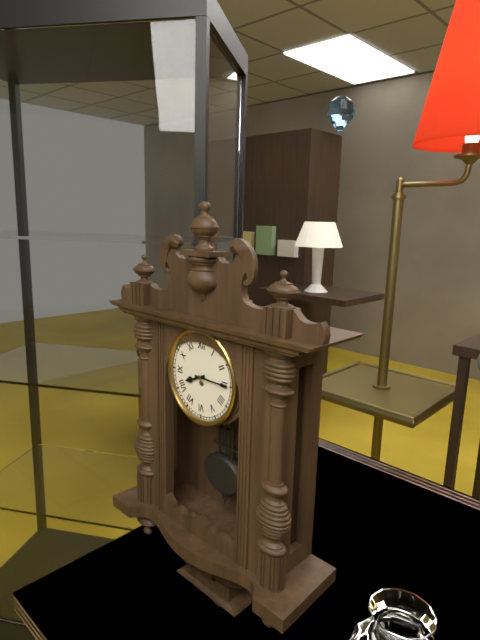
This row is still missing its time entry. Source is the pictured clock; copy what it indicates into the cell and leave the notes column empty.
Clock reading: 8:15
